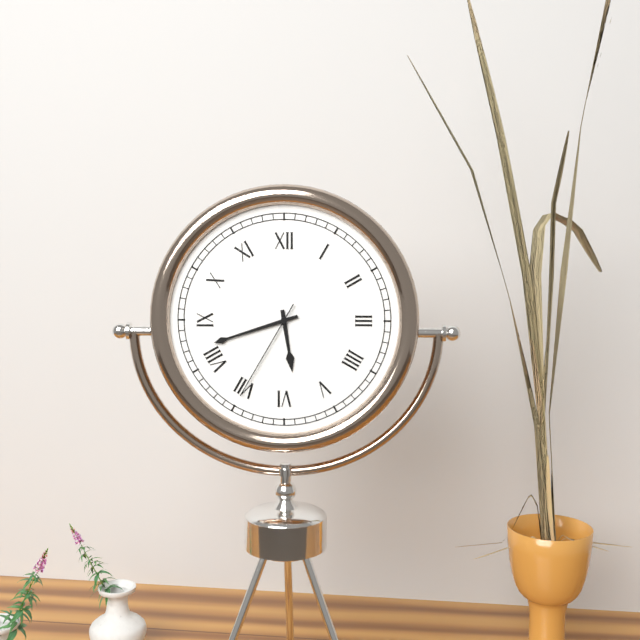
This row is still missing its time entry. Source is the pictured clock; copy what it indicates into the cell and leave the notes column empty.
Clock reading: 5:42:35
